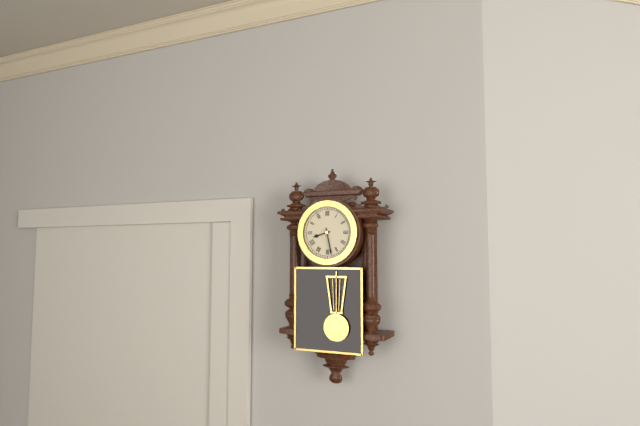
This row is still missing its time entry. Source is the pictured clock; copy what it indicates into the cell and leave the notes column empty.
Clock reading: 8:28
